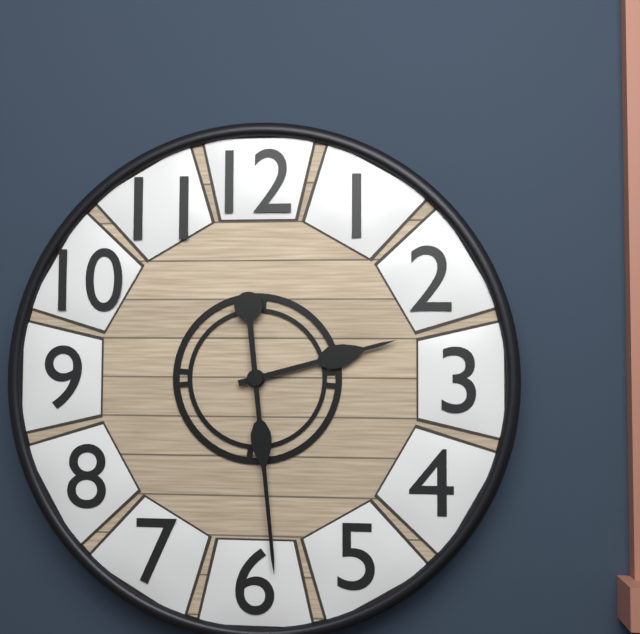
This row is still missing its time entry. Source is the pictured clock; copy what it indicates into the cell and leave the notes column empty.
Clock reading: 2:29
